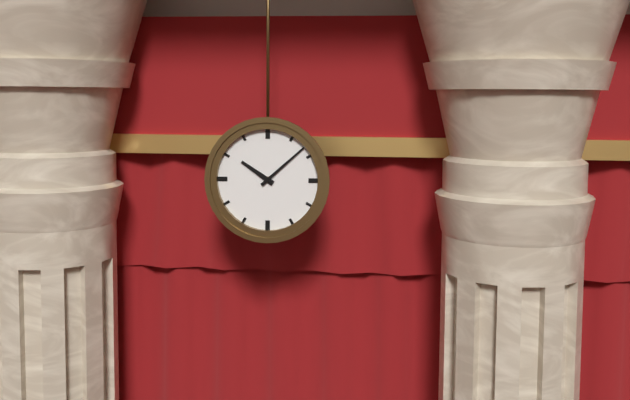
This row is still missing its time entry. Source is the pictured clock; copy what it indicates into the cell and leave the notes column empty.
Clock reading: 10:08
